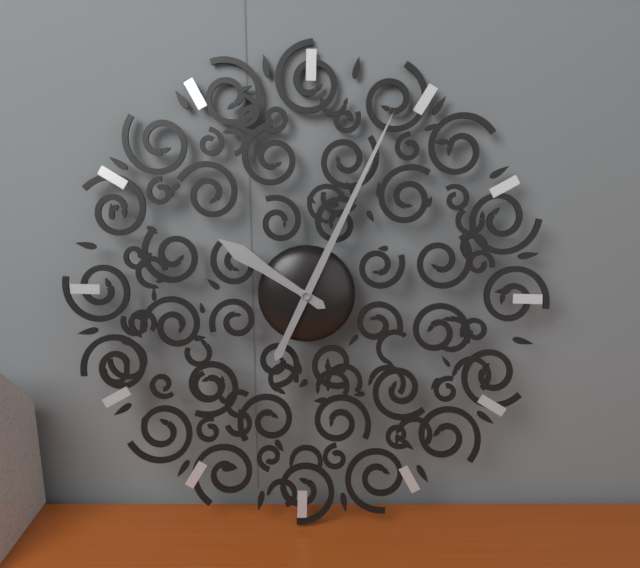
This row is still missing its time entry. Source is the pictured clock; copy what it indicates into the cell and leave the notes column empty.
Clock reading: 10:04
